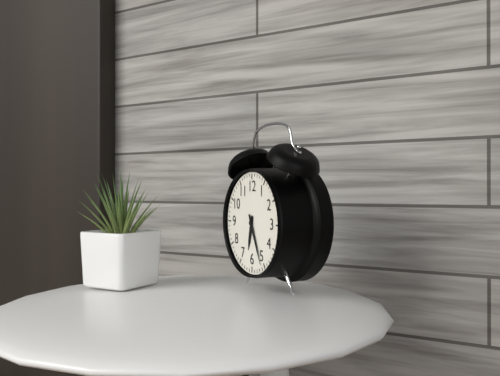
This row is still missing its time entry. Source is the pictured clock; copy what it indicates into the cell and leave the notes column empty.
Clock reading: 6:26
